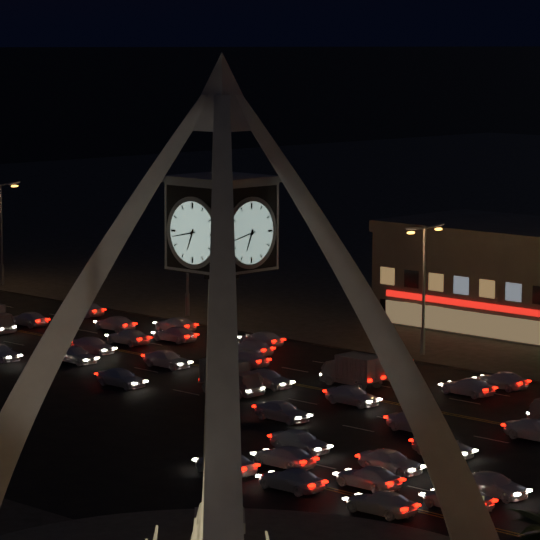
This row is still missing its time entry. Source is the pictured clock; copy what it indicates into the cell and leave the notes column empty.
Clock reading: 6:43
